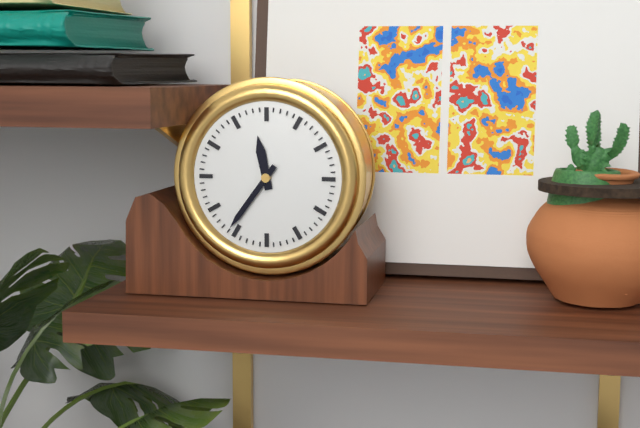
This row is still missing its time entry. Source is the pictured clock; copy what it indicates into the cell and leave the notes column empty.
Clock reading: 11:36
